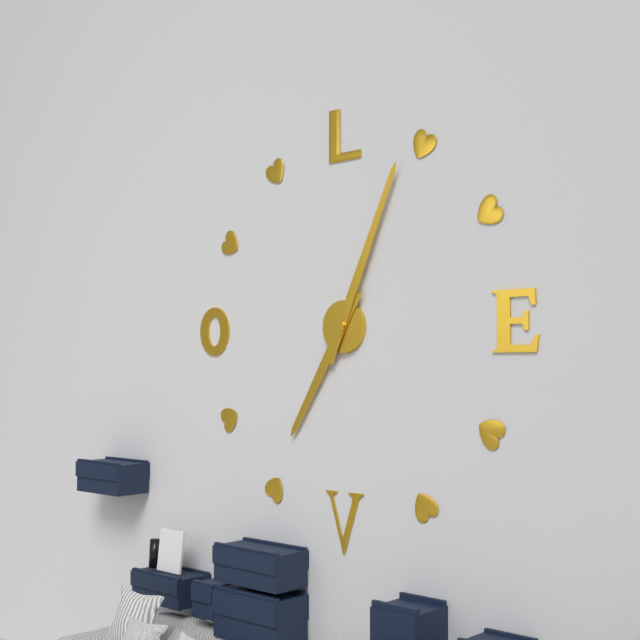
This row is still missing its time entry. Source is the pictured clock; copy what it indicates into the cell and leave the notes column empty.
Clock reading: 7:04
